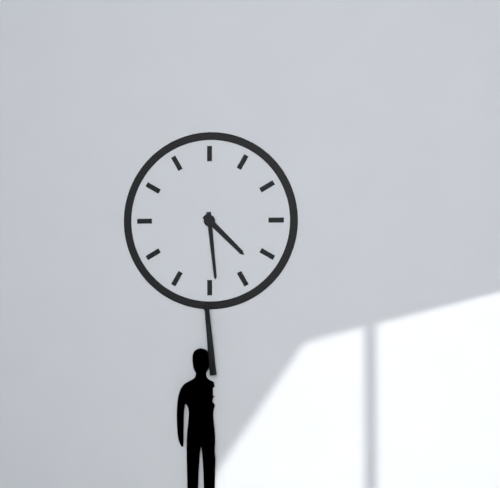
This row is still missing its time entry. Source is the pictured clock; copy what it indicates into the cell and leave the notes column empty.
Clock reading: 4:29
